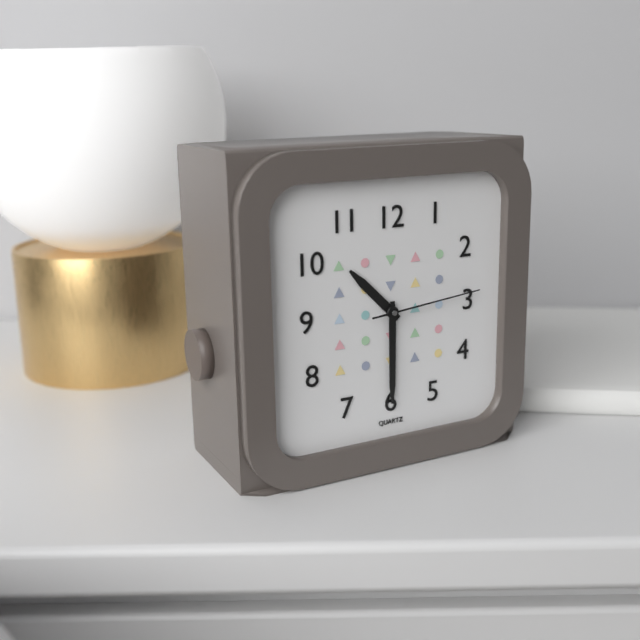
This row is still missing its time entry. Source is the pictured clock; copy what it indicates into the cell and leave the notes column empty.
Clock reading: 10:30:14
